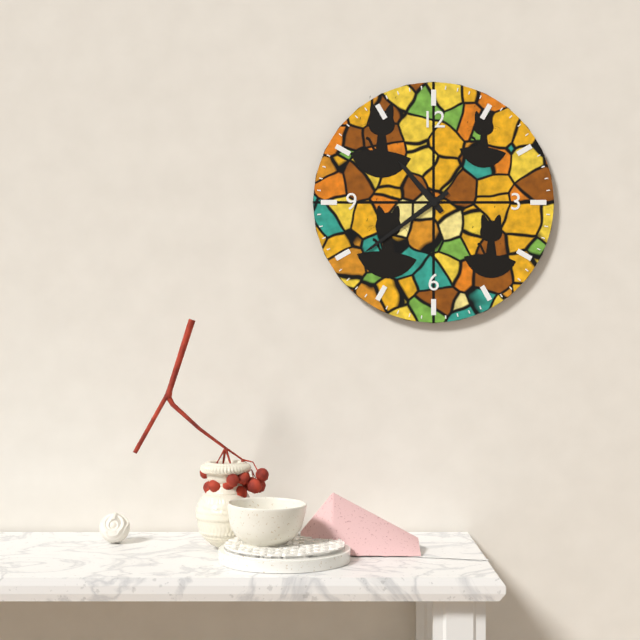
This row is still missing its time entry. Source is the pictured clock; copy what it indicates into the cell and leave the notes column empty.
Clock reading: 10:39
